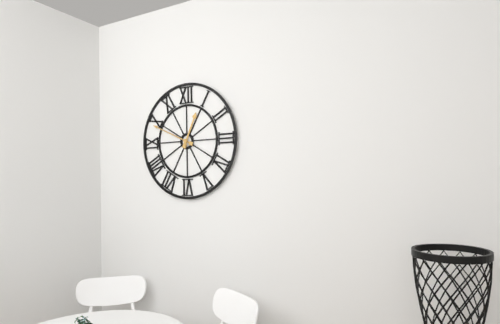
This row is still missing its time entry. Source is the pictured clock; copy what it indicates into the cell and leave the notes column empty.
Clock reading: 12:49
